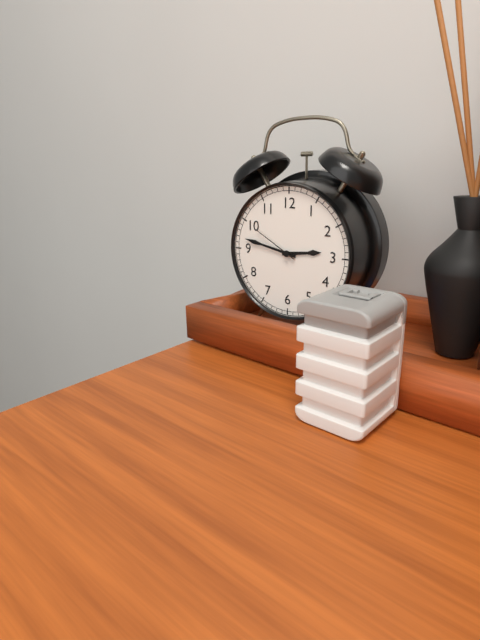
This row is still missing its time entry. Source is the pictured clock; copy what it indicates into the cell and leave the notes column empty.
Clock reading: 2:47
